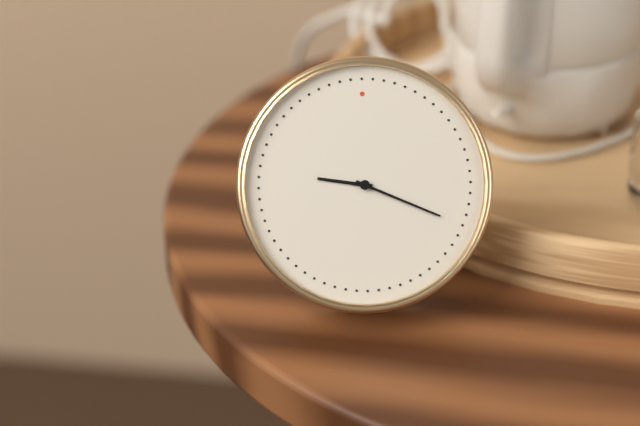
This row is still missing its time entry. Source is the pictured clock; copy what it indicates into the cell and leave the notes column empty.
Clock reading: 9:19
